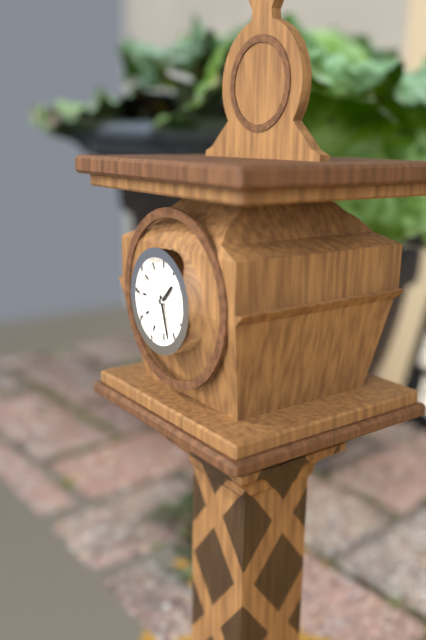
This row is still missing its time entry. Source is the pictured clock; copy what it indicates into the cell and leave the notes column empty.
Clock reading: 1:27
